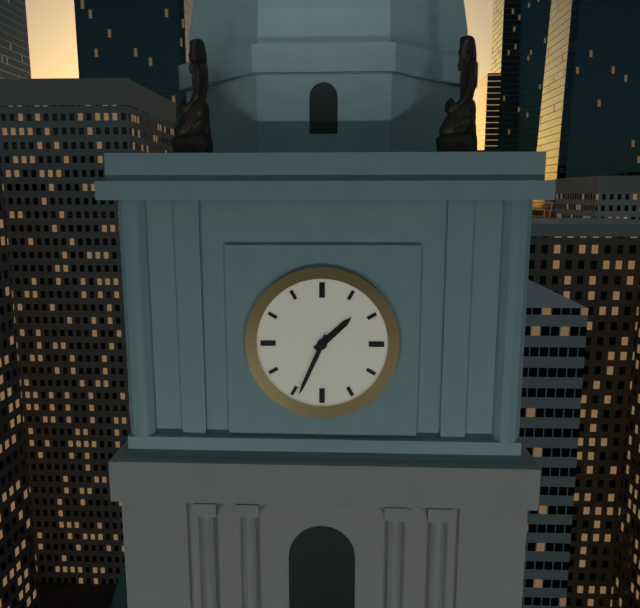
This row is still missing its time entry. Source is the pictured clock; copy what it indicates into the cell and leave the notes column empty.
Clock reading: 1:34
